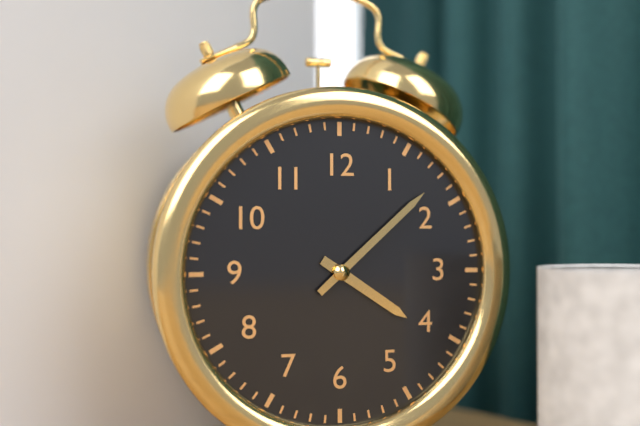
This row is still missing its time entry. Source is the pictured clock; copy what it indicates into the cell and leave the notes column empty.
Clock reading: 4:08
